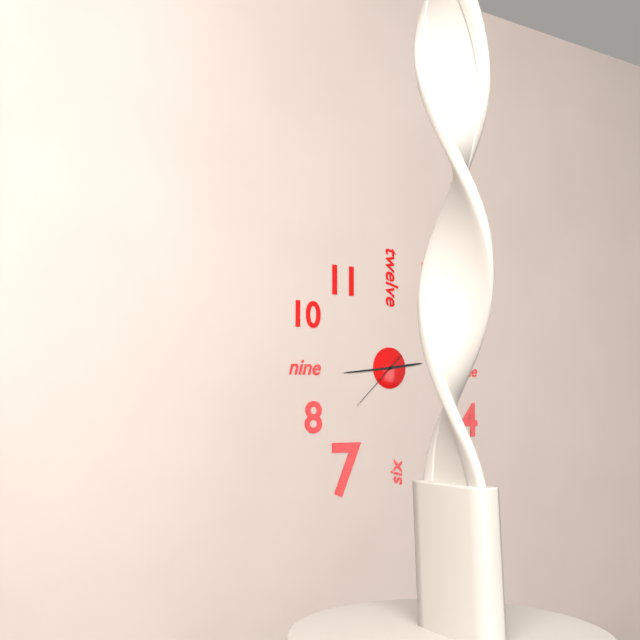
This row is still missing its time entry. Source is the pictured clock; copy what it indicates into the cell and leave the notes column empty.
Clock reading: 2:44:38
